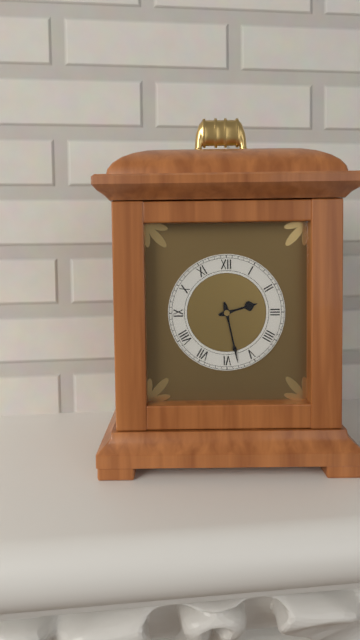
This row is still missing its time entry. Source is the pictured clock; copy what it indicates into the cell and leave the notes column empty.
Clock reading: 2:28
